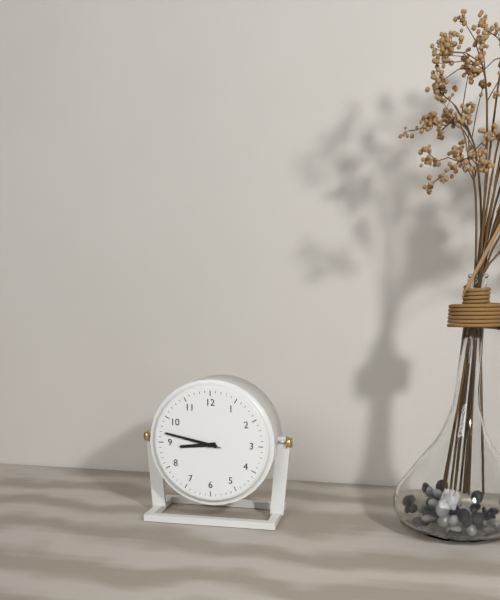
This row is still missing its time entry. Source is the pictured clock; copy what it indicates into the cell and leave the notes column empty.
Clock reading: 8:47:47
